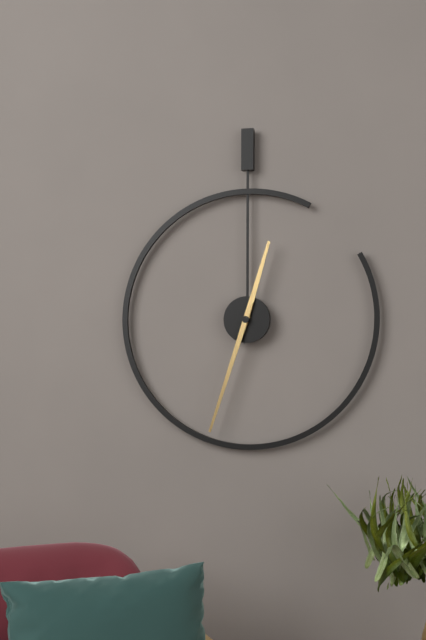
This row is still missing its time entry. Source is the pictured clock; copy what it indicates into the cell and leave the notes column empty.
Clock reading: 12:33
